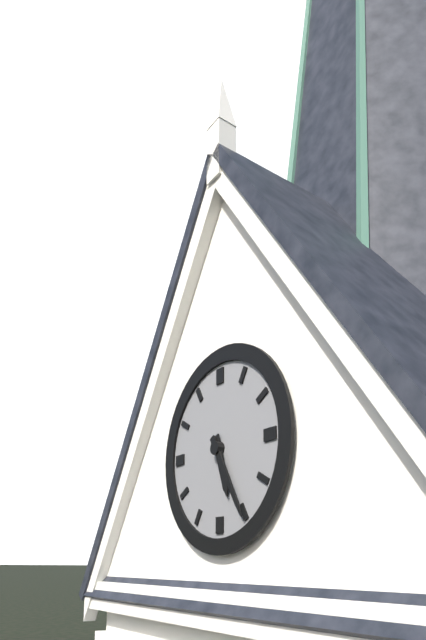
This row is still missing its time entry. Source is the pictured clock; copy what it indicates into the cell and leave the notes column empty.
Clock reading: 5:25
